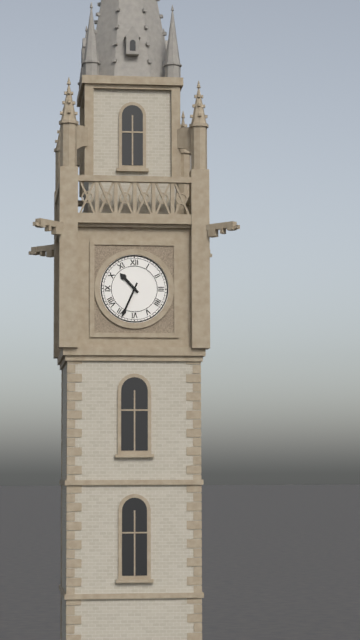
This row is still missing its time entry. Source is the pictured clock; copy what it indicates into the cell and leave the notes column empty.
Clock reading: 10:34
